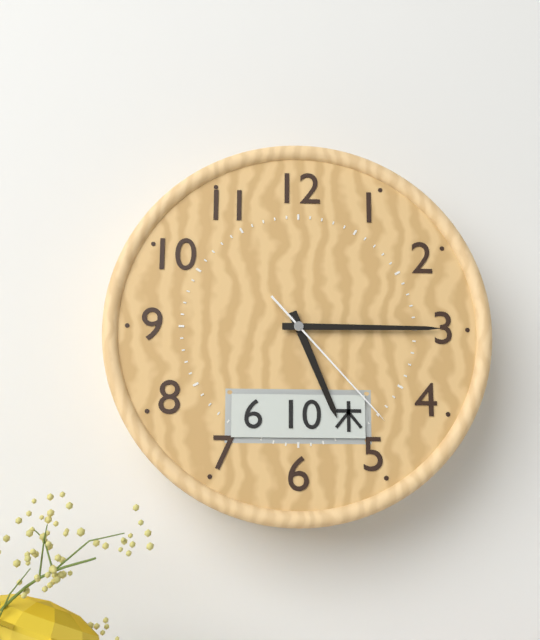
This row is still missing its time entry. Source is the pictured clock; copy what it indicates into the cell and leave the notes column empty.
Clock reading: 5:15:23
